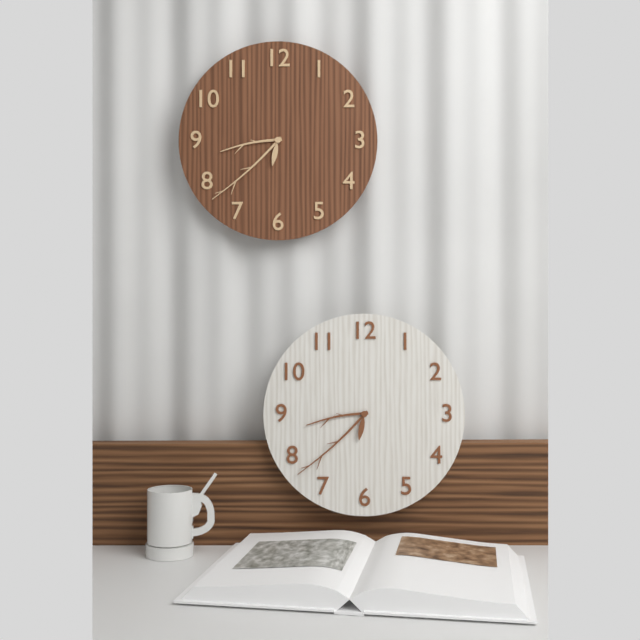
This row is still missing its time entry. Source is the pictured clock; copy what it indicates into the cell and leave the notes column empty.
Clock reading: 8:38
